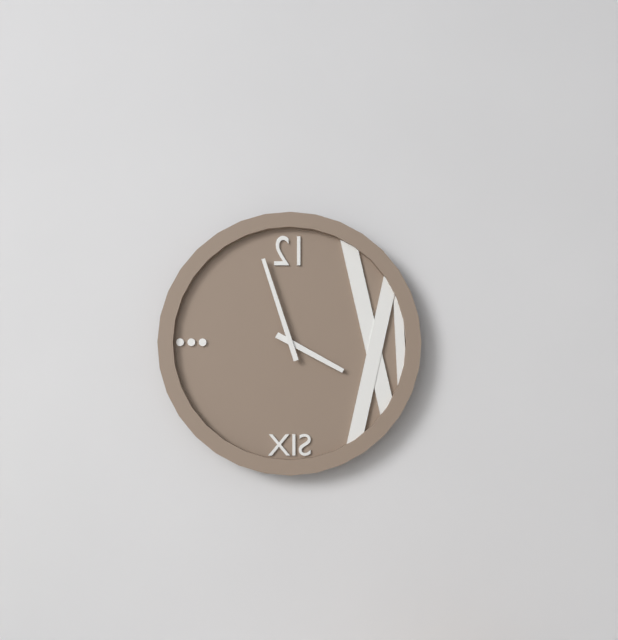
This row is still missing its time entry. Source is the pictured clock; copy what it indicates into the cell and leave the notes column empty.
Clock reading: 3:57
